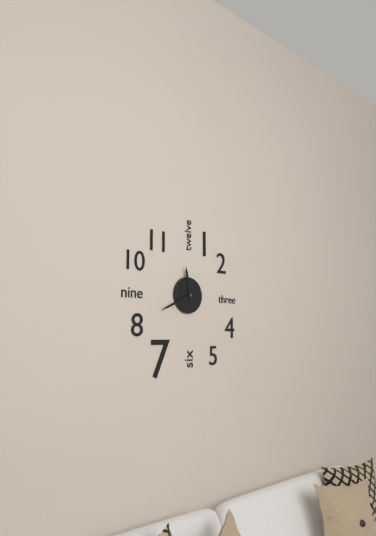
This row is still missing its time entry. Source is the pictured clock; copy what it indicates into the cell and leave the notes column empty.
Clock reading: 11:41
